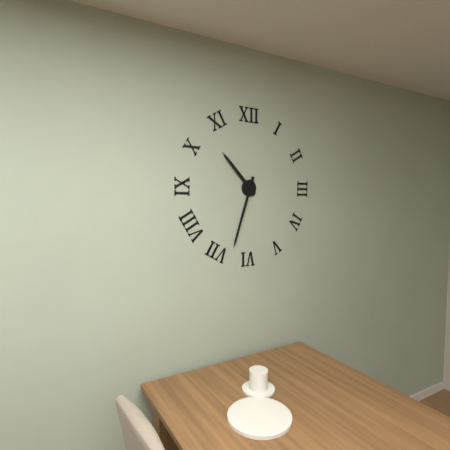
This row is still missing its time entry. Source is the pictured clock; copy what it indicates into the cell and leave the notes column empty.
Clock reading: 10:33
